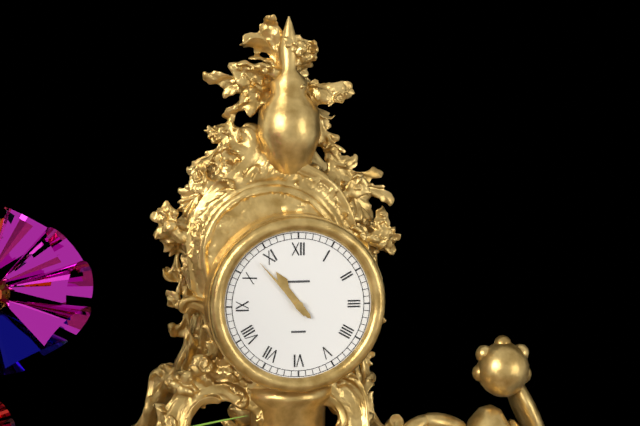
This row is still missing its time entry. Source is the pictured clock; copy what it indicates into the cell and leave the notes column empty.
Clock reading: 10:53
